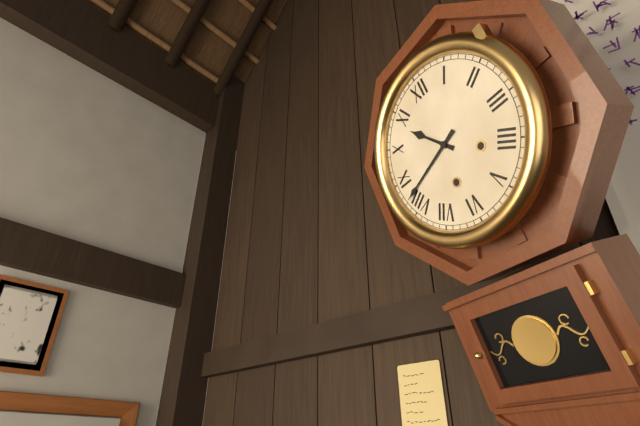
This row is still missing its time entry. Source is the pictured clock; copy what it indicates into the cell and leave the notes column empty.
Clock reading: 10:42
